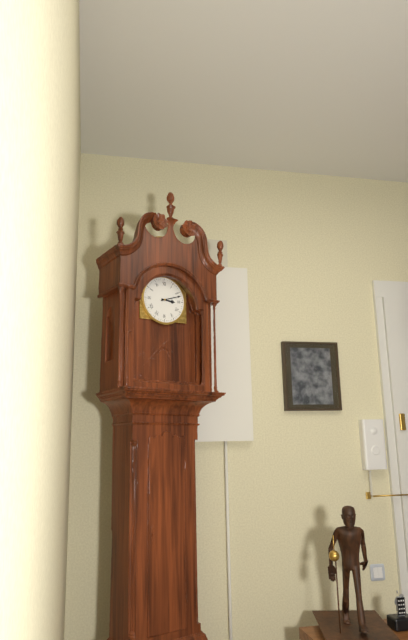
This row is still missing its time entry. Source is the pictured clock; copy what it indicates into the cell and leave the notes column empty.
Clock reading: 3:12
